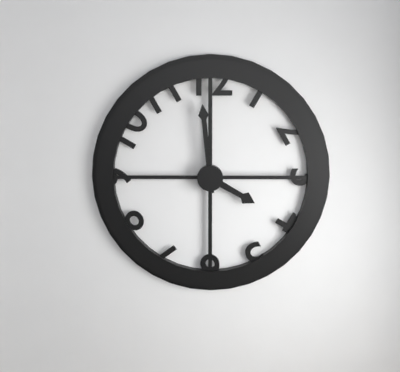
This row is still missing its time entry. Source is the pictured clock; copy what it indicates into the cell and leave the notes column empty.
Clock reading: 3:59
